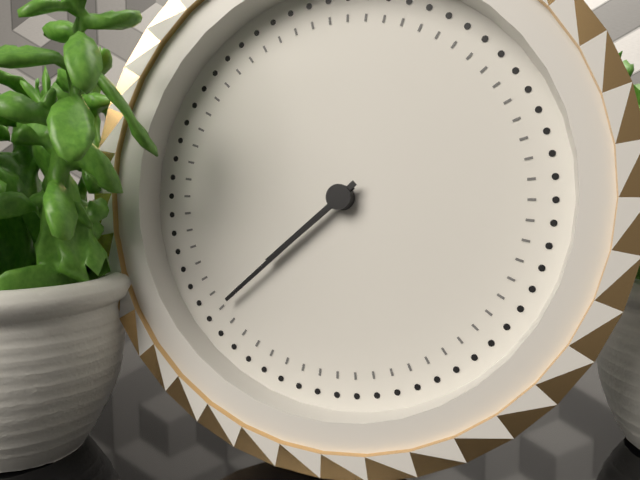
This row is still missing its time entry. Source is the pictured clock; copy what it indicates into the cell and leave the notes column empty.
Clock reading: 7:38
